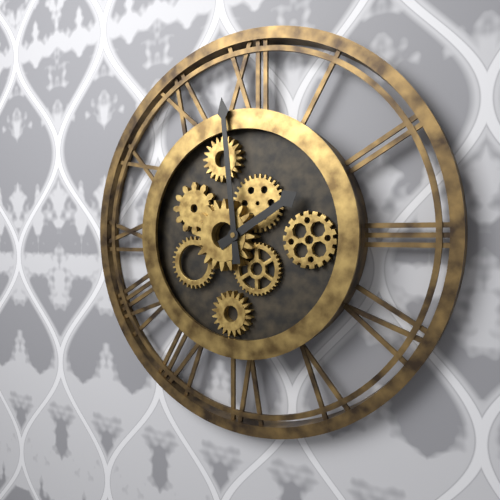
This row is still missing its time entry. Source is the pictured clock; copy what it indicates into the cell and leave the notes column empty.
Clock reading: 1:59
